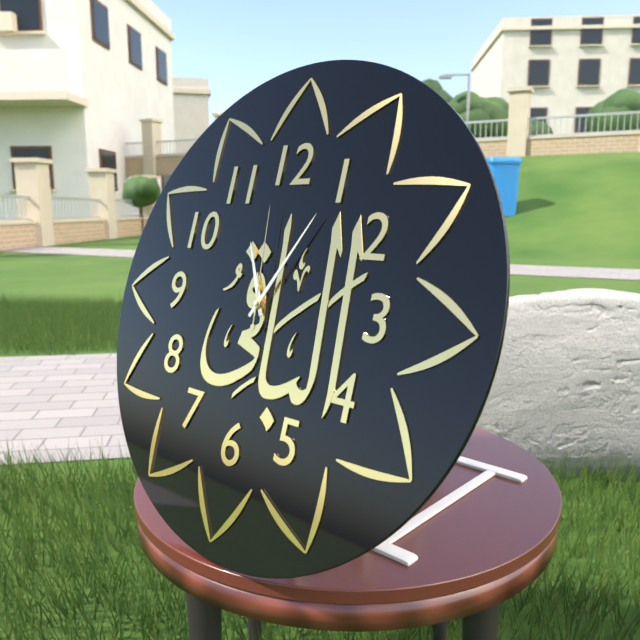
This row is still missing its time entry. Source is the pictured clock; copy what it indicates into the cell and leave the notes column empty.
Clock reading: 11:05:59
